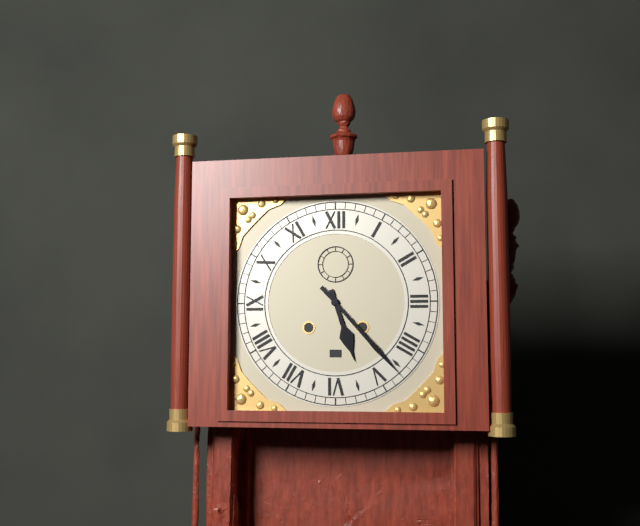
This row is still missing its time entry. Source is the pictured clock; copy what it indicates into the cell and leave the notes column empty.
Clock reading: 5:23
